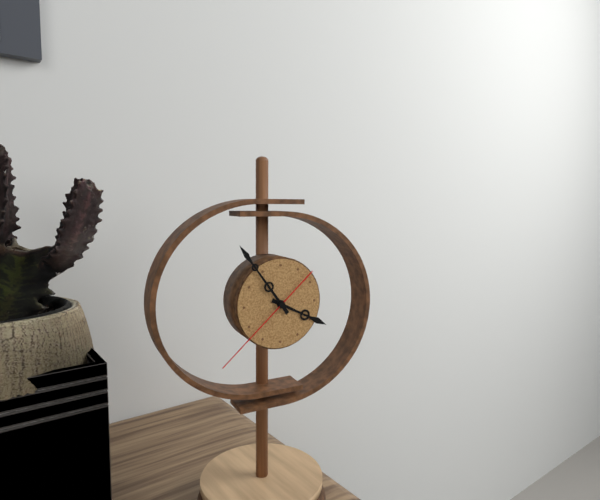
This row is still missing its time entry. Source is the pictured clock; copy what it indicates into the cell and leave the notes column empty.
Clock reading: 3:54:38
